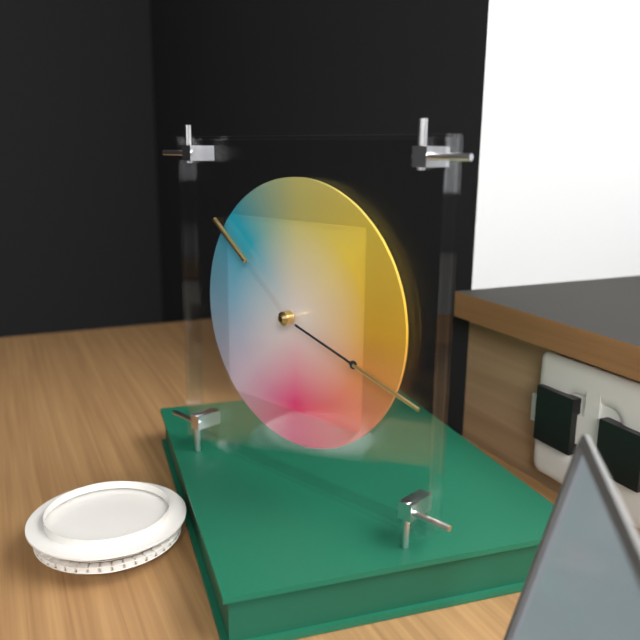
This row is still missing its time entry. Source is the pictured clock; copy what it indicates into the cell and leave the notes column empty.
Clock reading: 10:18
